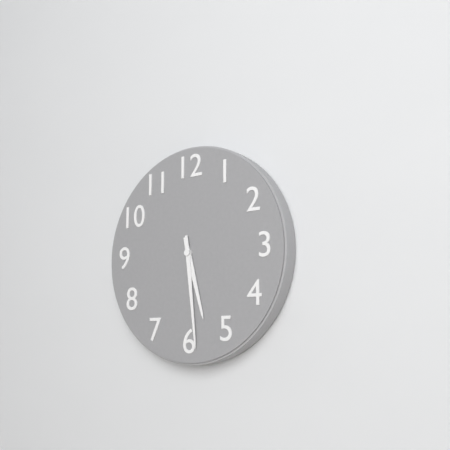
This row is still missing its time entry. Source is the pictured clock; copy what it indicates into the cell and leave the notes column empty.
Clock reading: 5:29
